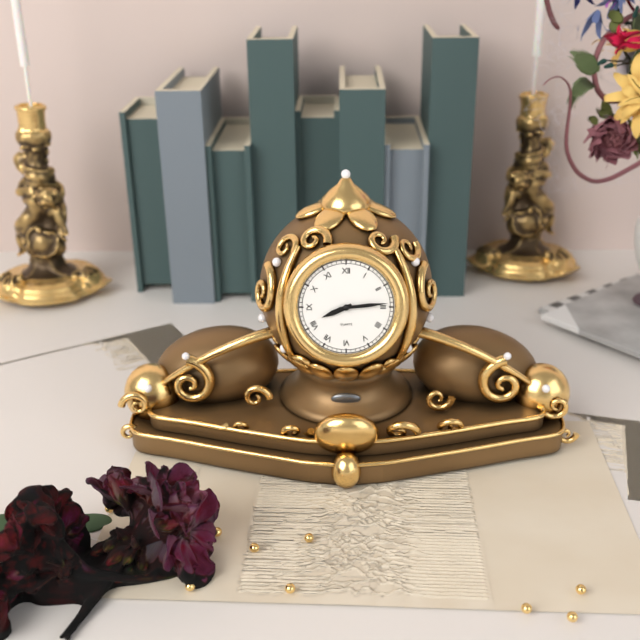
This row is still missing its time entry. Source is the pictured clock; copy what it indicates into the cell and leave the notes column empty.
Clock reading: 8:14
